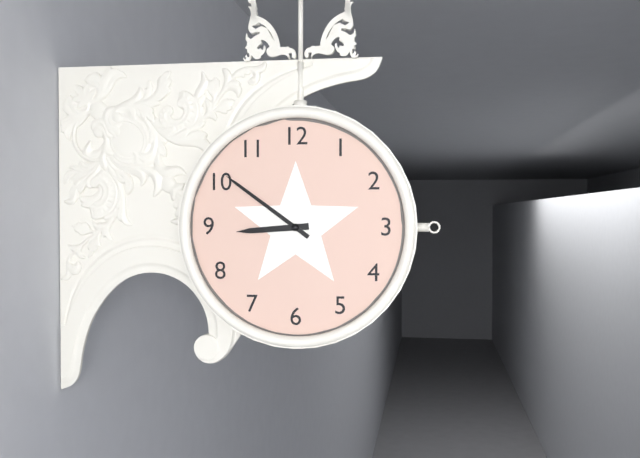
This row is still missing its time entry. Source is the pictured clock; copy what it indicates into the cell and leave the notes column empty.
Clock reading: 8:51
